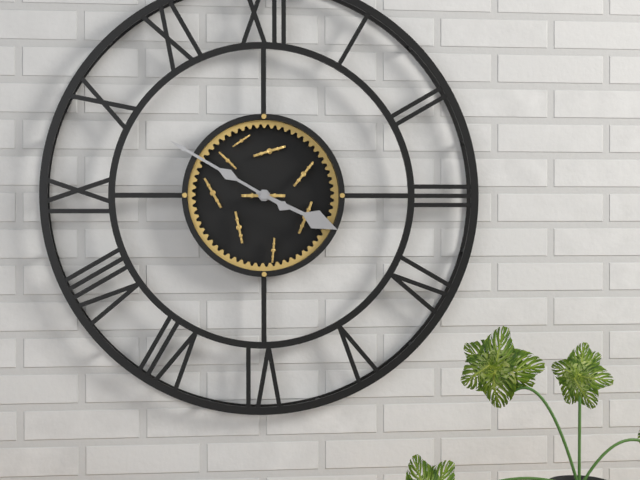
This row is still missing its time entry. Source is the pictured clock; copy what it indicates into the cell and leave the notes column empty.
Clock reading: 3:50
